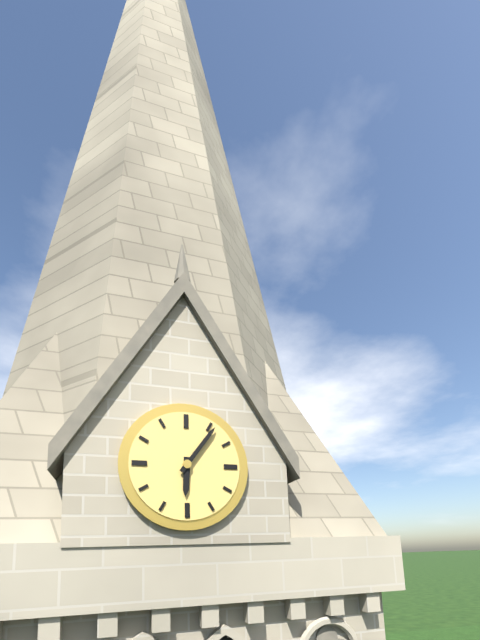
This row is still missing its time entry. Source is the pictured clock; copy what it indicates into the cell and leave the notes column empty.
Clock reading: 6:06
